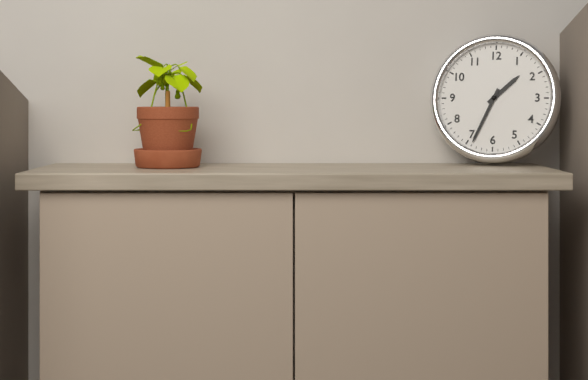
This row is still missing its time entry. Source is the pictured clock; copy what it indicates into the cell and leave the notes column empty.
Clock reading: 1:34
